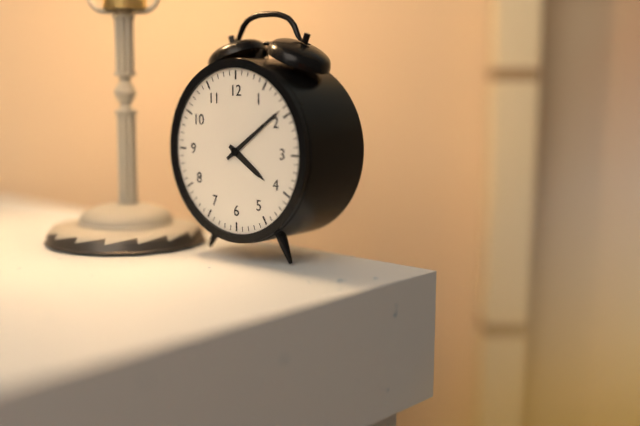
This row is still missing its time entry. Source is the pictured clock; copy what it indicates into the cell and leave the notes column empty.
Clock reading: 4:09
